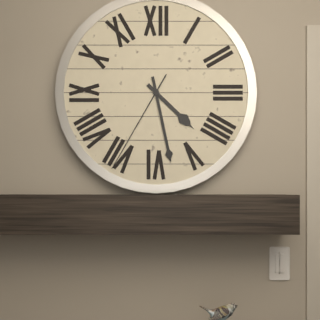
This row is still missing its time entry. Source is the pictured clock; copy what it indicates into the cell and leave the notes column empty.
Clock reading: 4:28:35
